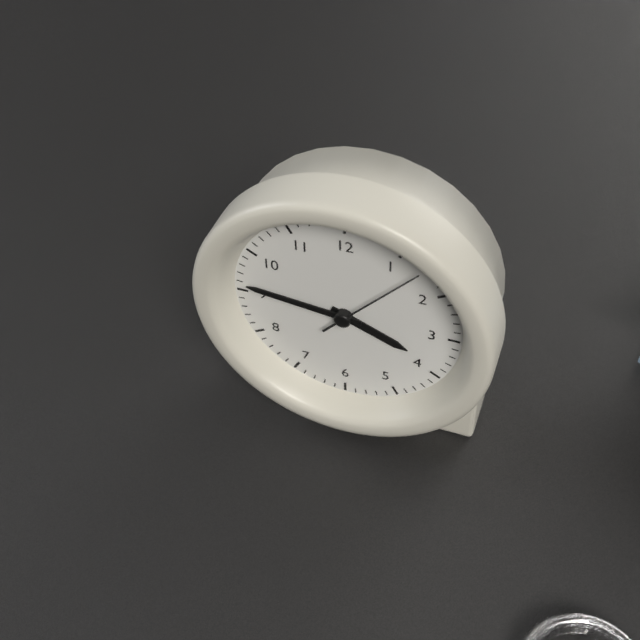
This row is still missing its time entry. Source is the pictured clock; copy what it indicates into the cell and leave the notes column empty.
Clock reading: 3:46:07
